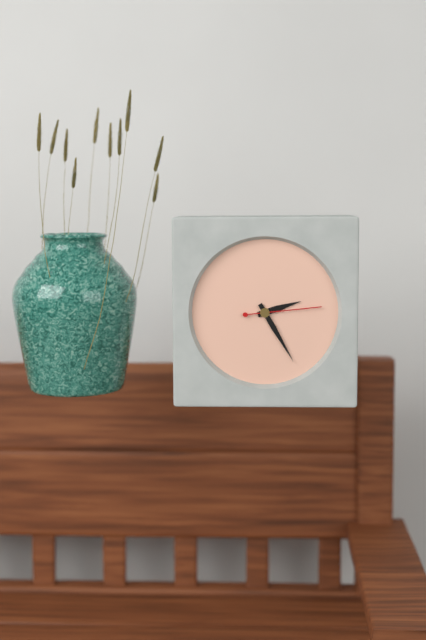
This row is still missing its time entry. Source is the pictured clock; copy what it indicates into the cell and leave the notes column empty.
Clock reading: 2:25:14
